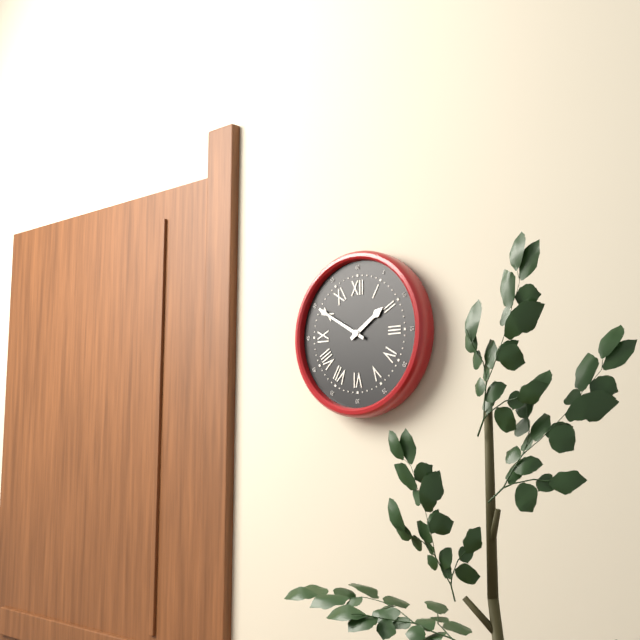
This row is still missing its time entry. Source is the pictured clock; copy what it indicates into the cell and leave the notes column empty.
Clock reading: 1:50
